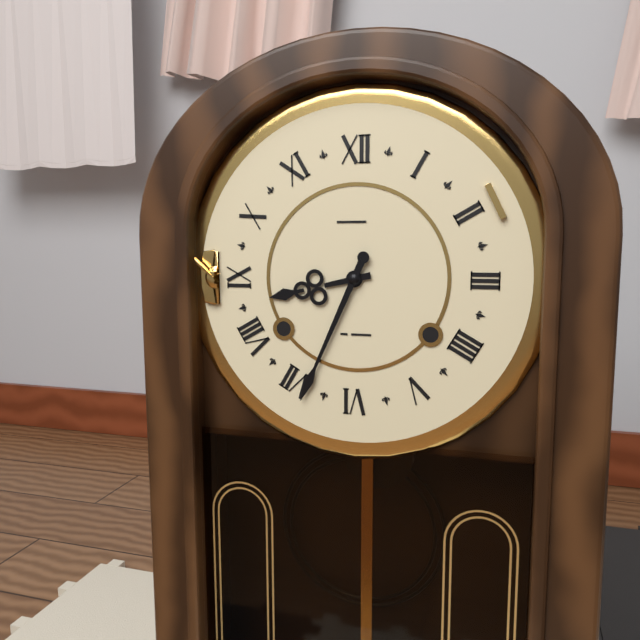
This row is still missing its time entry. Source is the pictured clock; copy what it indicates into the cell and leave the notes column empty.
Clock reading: 8:34
